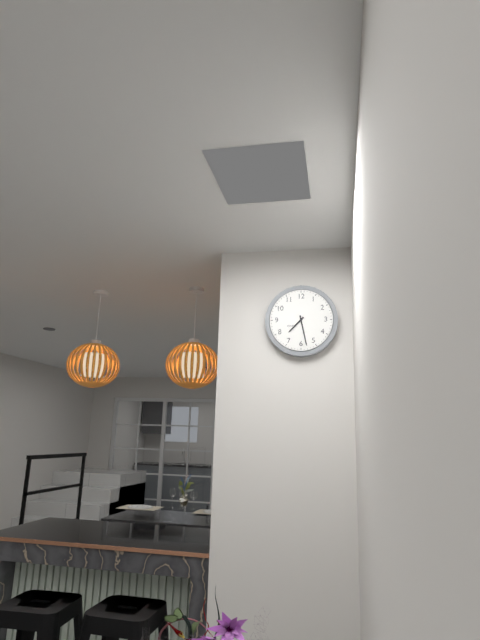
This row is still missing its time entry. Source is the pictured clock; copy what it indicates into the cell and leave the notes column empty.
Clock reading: 7:28
